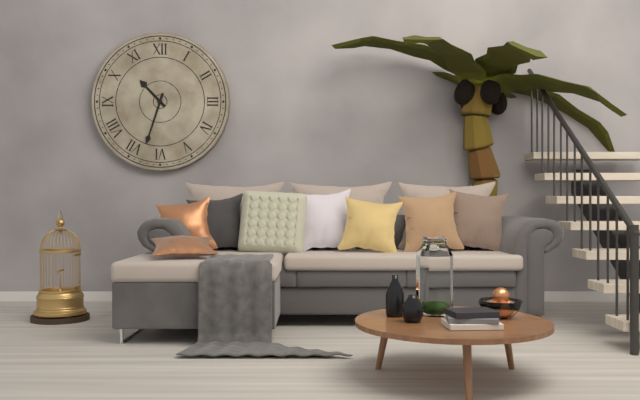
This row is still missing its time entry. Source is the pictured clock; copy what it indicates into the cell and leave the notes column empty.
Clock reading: 10:33
